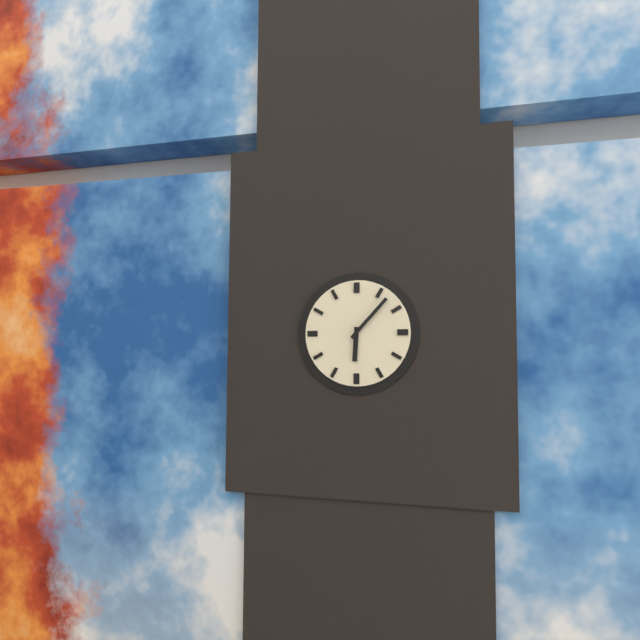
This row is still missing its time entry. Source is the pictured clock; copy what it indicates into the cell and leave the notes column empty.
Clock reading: 6:07
